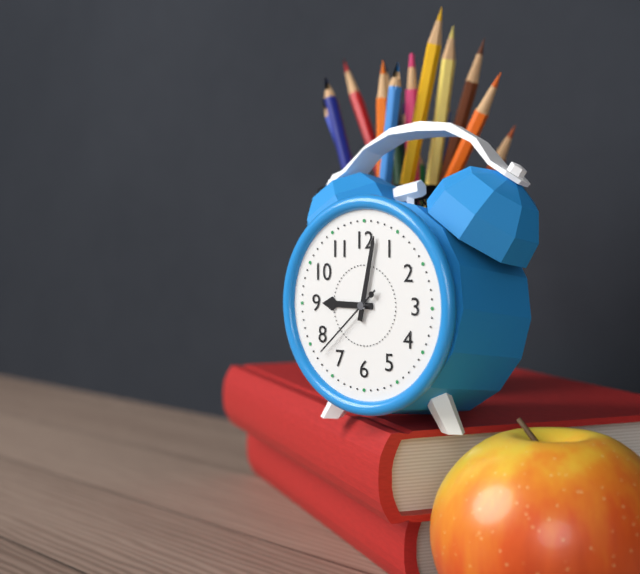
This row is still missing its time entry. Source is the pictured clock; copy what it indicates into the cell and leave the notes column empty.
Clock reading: 9:02:38
